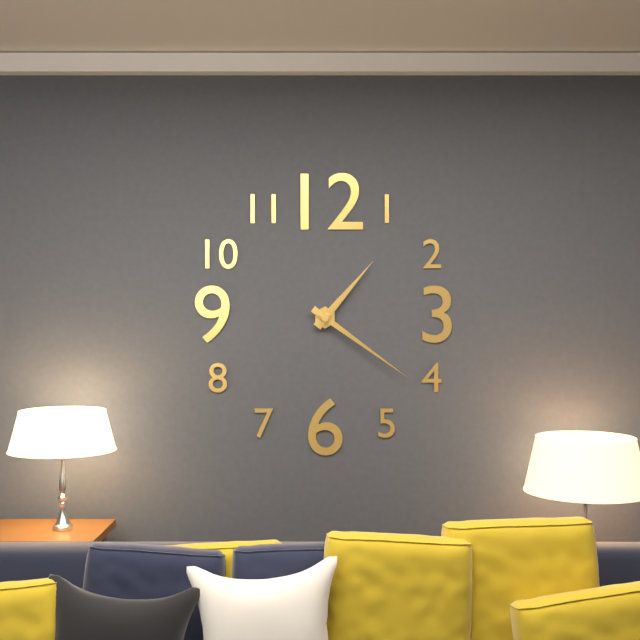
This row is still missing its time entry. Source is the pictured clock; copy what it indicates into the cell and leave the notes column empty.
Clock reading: 1:21
